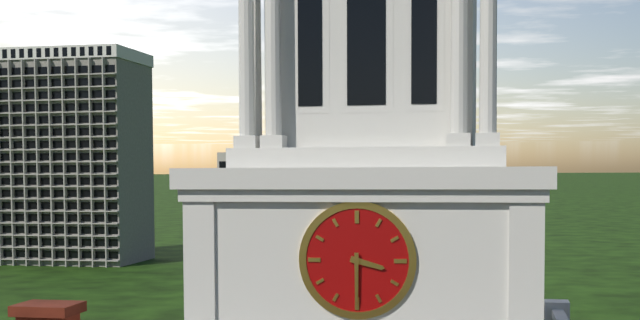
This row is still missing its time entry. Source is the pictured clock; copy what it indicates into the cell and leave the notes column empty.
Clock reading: 3:30
